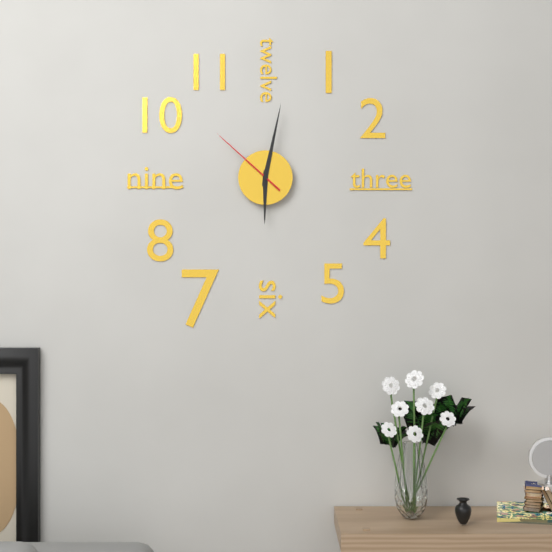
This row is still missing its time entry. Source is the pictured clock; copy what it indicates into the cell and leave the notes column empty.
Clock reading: 6:02:52
